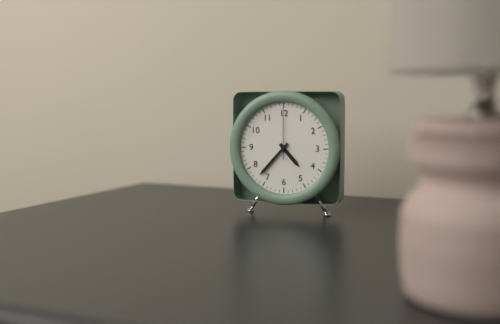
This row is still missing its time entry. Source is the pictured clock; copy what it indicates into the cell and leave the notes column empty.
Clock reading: 4:37:00
